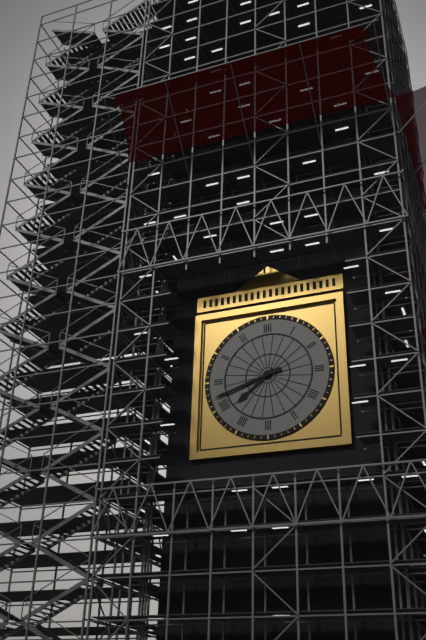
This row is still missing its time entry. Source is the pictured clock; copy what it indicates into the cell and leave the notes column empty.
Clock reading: 7:42
